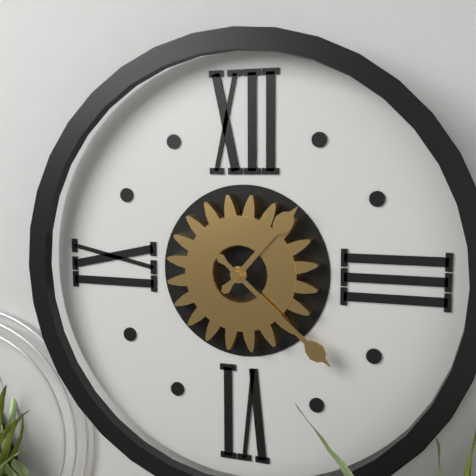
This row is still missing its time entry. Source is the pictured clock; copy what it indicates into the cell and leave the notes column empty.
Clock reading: 1:22
